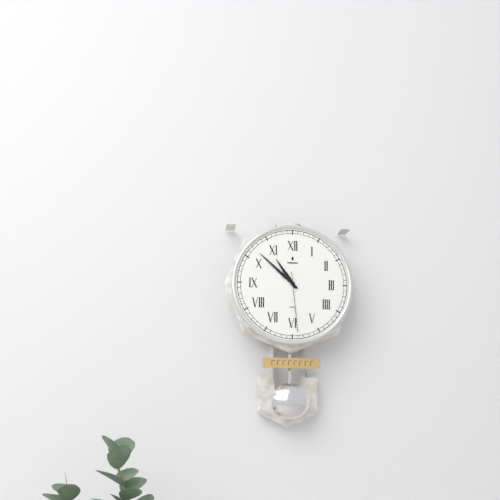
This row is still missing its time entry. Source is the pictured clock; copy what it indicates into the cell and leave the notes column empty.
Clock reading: 10:52:29
